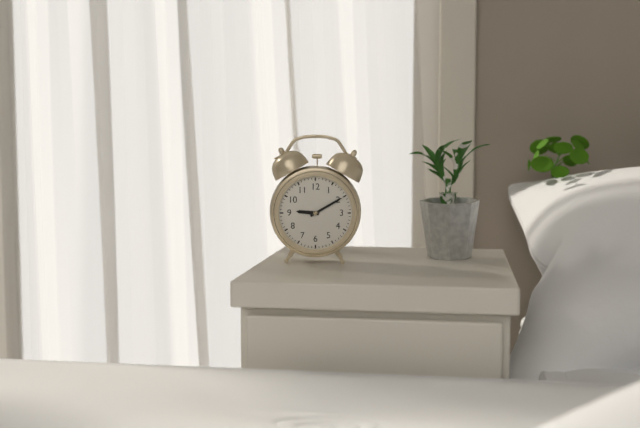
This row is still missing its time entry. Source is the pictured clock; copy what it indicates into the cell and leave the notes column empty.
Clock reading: 9:10
